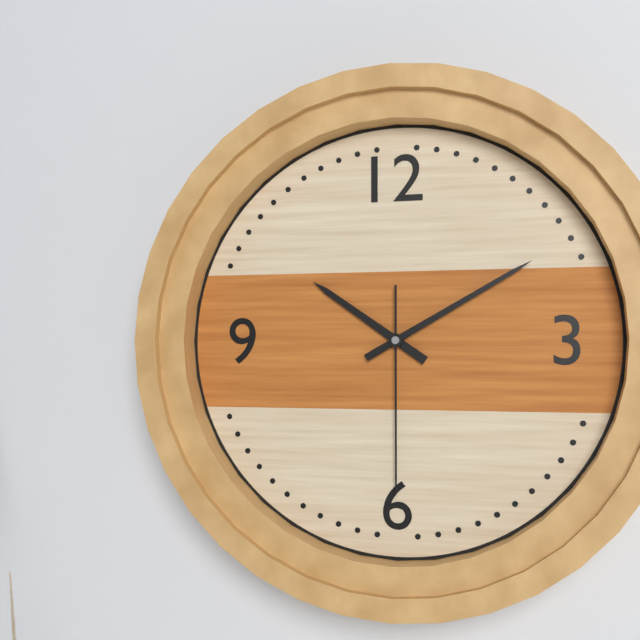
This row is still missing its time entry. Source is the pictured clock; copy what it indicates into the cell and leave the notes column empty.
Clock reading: 10:10:30
